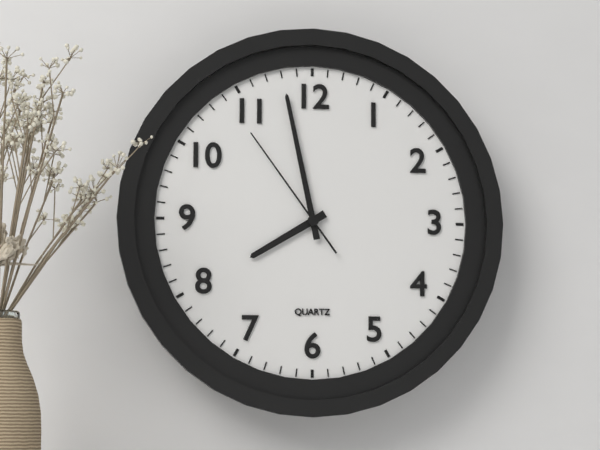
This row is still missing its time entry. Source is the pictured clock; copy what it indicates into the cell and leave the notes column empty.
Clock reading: 7:58:54
